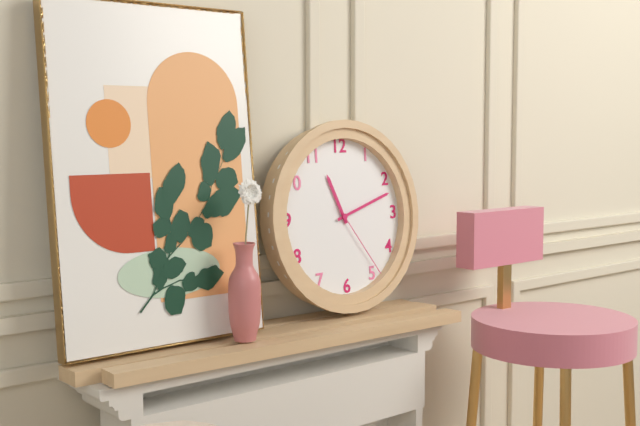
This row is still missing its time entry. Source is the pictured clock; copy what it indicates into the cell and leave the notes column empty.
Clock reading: 11:12:24
